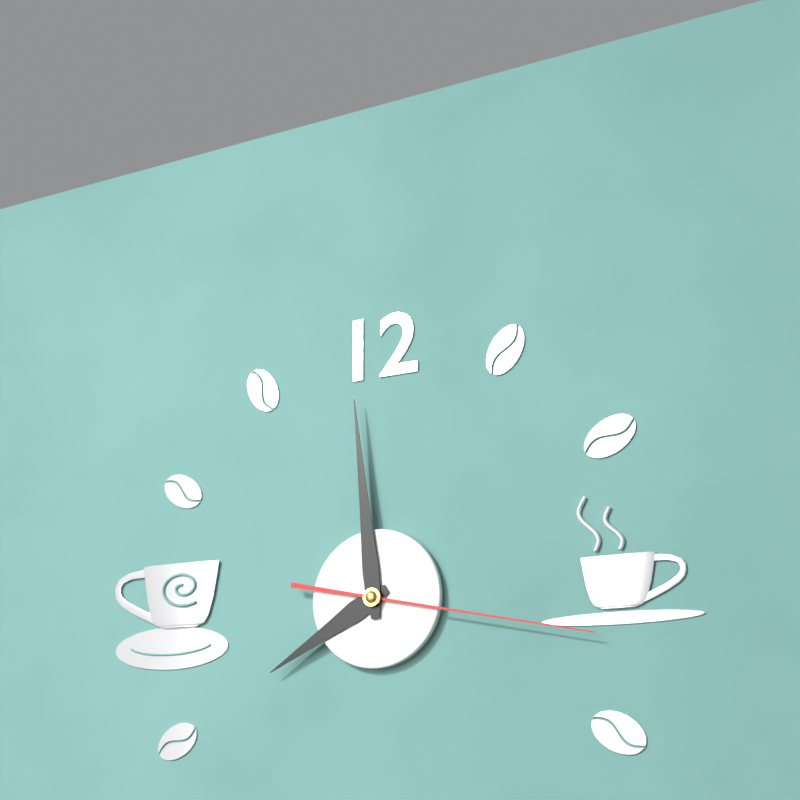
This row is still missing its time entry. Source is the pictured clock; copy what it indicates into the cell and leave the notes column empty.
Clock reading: 7:59:17
